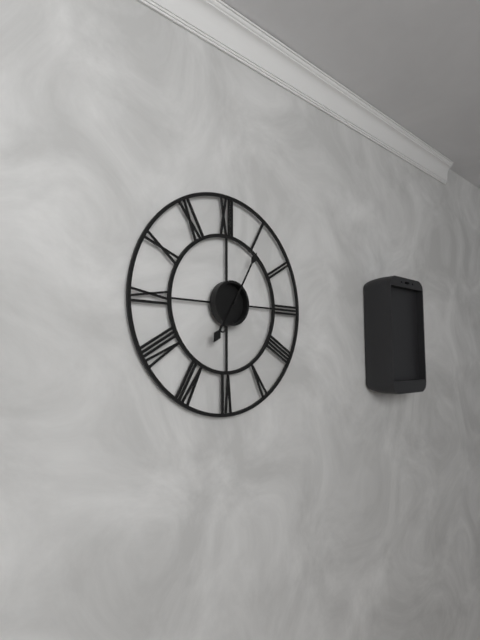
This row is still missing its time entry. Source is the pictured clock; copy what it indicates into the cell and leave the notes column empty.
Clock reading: 7:05
